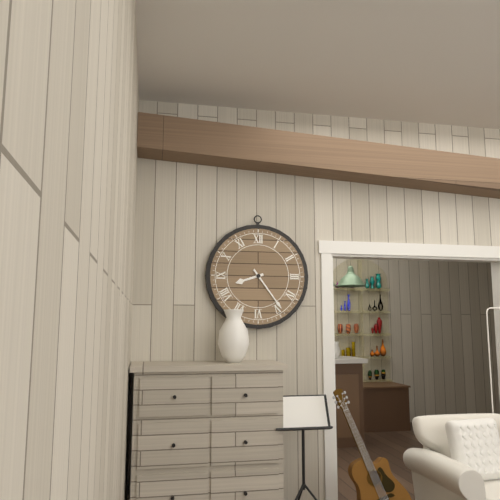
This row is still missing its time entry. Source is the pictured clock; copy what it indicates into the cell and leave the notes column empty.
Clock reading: 8:24
